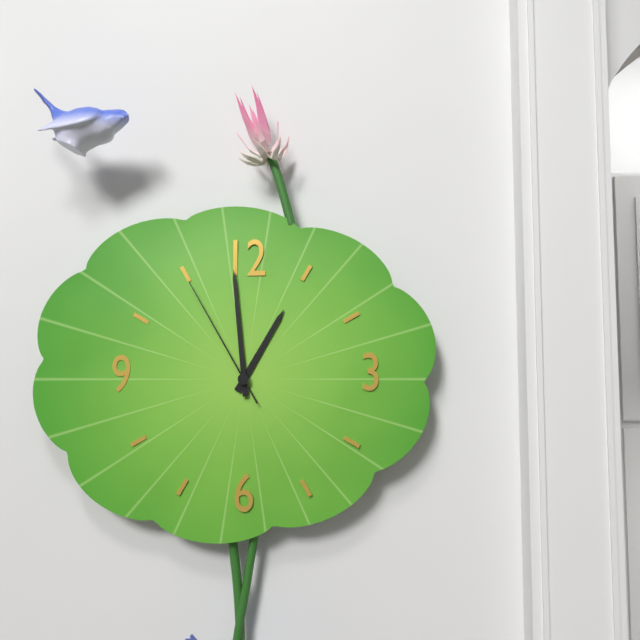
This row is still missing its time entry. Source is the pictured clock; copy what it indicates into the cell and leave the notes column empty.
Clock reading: 12:59:55
